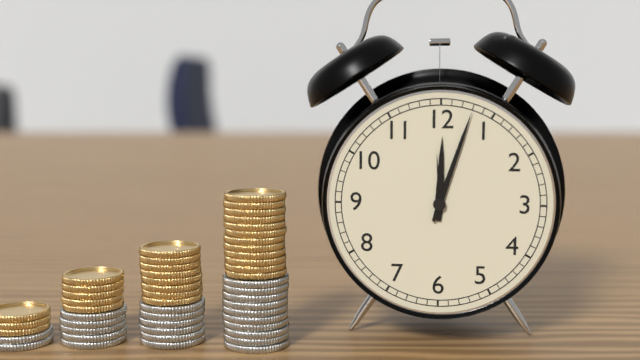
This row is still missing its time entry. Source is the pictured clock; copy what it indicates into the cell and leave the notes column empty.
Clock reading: 12:03
